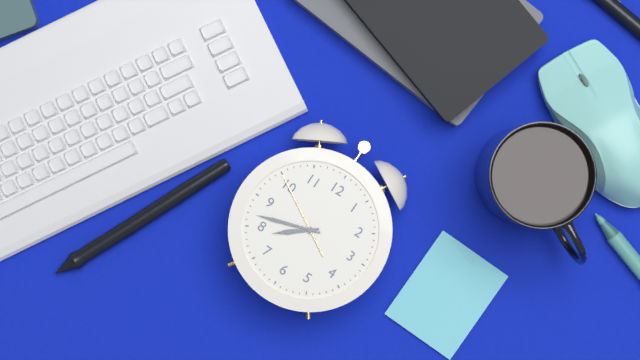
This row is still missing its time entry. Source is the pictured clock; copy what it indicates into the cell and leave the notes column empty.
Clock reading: 7:42:50
